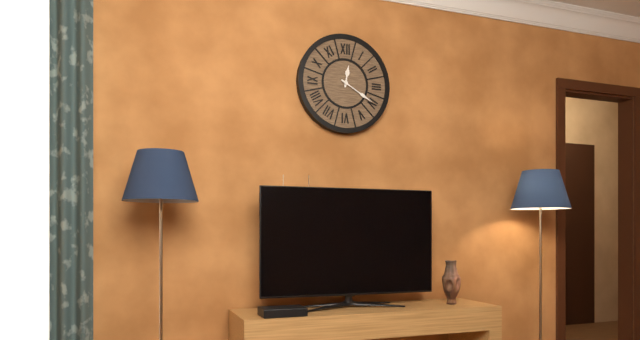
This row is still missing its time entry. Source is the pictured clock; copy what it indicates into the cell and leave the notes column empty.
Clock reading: 12:20
